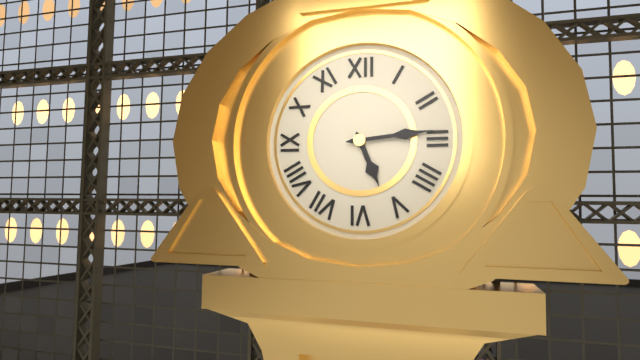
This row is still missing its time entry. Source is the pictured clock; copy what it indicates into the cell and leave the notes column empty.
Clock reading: 5:14
